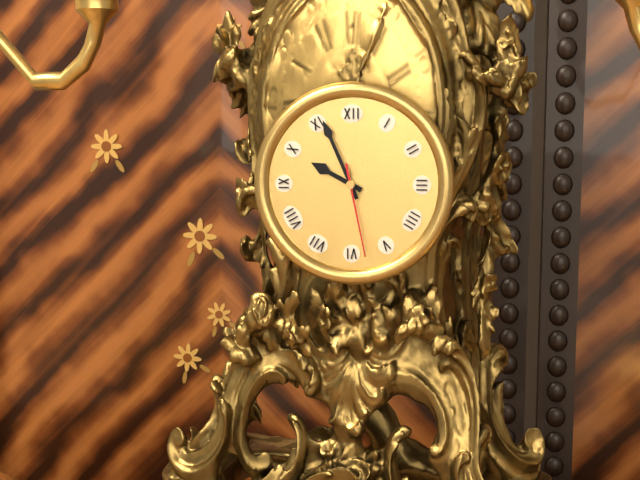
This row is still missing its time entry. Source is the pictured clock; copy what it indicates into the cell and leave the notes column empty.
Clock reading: 9:56:28
